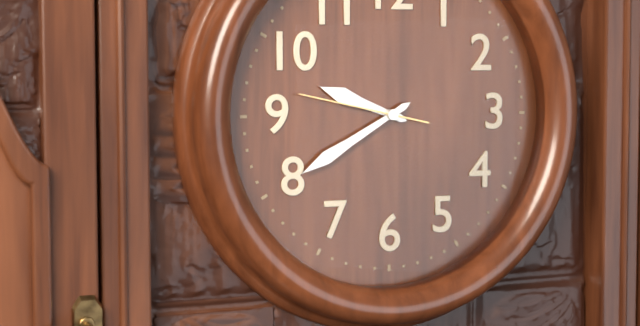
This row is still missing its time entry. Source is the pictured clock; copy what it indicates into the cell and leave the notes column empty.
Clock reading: 9:40:47
